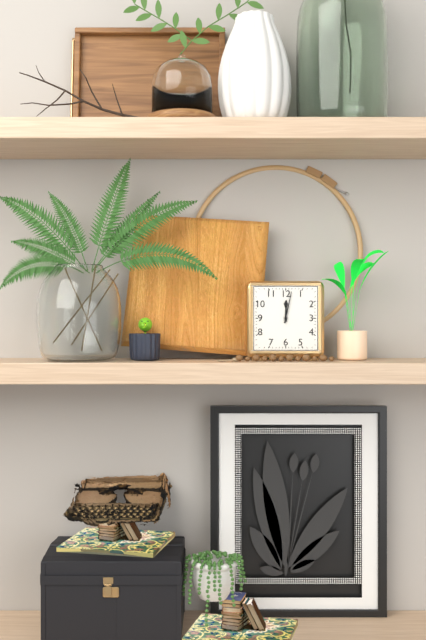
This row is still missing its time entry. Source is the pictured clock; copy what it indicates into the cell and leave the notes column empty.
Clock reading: 12:02
